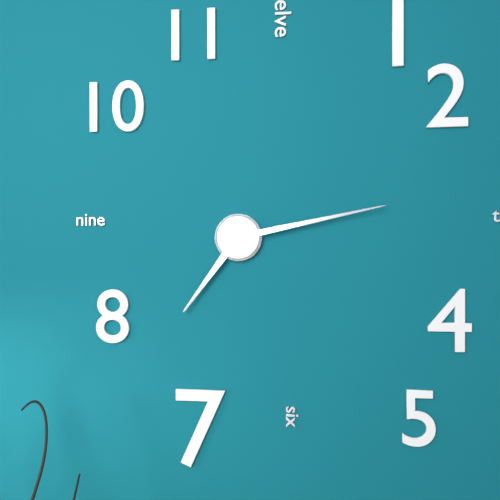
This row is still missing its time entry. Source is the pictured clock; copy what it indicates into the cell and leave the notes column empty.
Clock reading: 7:13
